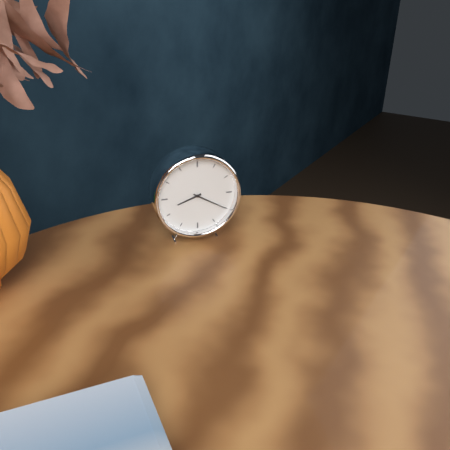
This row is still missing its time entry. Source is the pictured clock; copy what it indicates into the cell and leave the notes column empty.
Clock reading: 8:20
